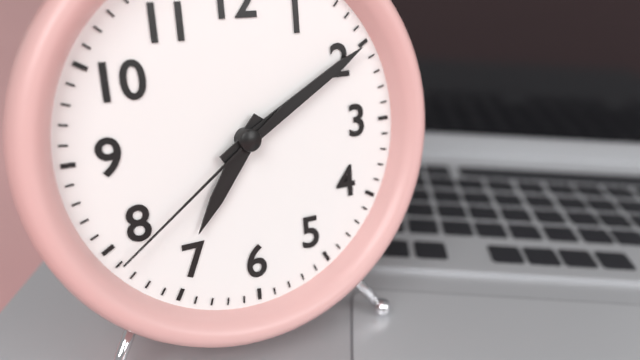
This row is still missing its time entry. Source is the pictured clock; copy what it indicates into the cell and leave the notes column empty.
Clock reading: 7:10:39
